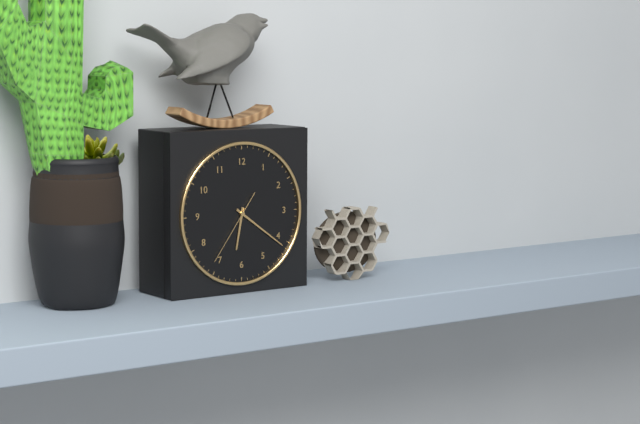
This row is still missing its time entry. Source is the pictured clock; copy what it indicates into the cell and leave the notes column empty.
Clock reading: 6:21:36
